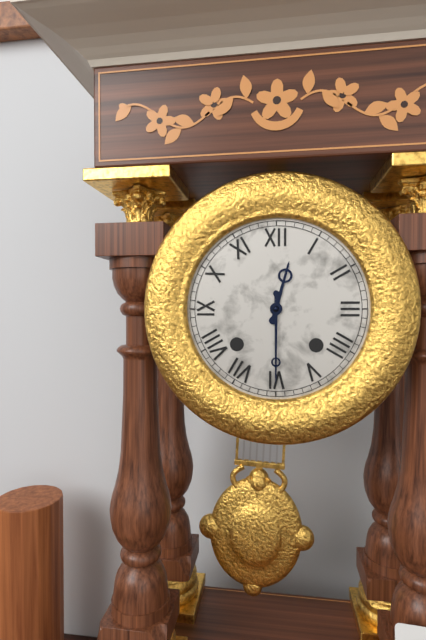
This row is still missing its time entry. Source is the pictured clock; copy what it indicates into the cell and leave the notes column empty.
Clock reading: 12:30
